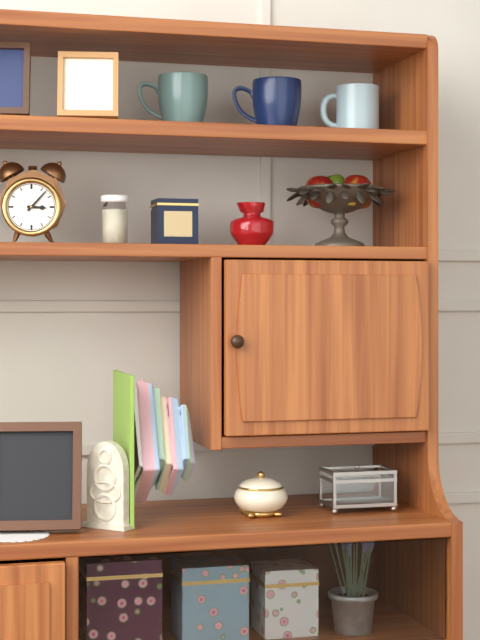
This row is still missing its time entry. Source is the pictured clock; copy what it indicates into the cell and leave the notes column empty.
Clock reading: 3:07
